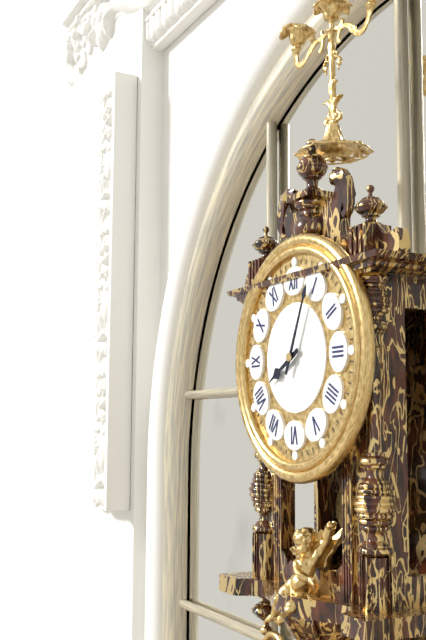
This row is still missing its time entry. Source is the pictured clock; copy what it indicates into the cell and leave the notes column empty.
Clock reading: 8:04
